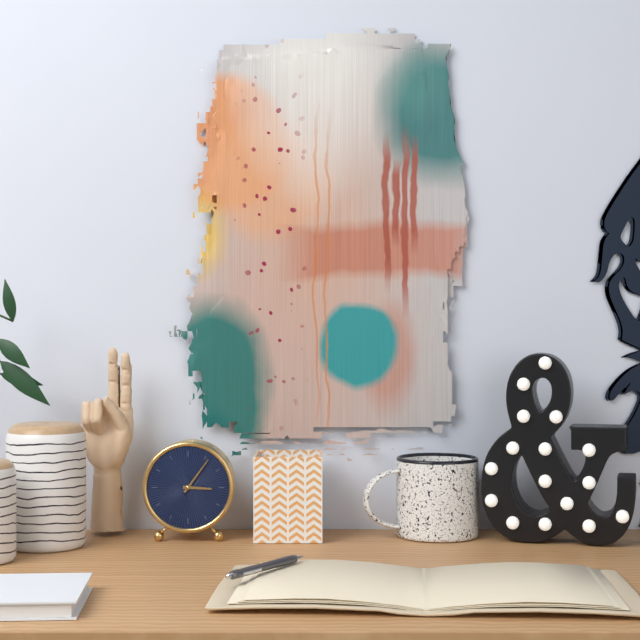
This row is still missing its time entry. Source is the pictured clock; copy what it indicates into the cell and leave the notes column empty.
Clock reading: 3:06
